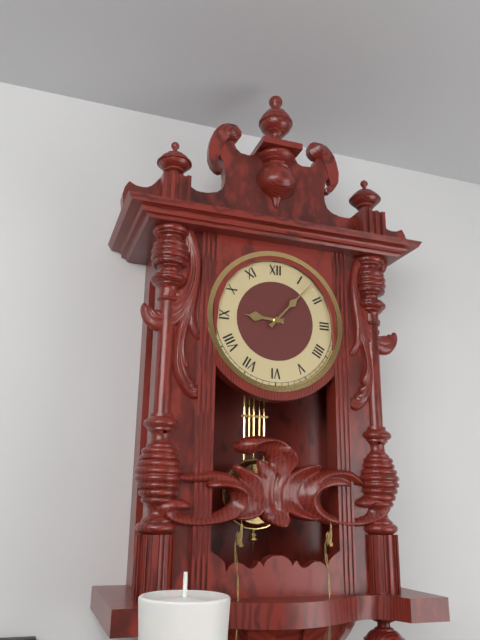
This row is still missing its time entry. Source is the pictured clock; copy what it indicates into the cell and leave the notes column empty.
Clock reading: 9:07
